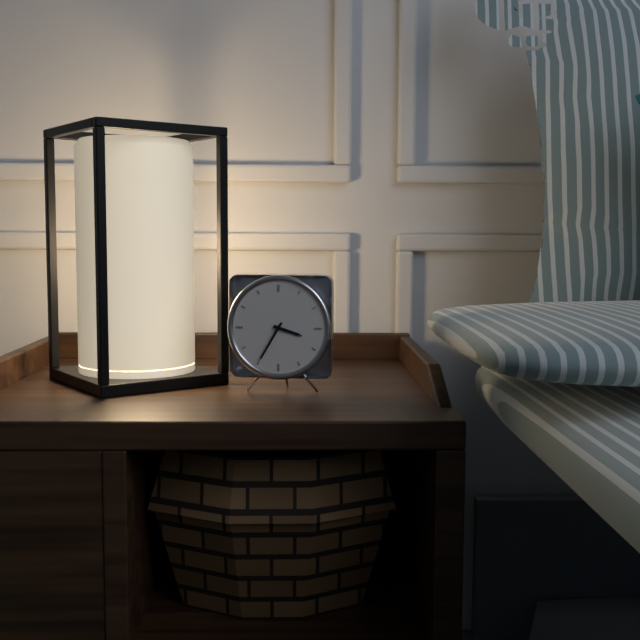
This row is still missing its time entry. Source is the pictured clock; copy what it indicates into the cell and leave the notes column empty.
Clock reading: 3:35
